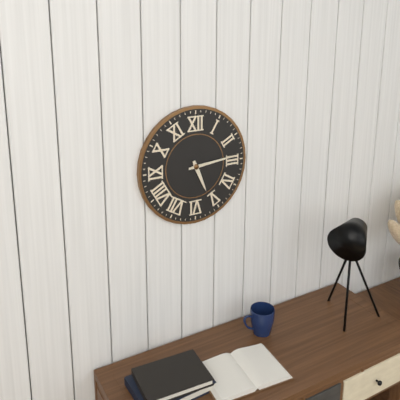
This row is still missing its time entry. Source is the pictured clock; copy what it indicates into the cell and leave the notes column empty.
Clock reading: 5:14
